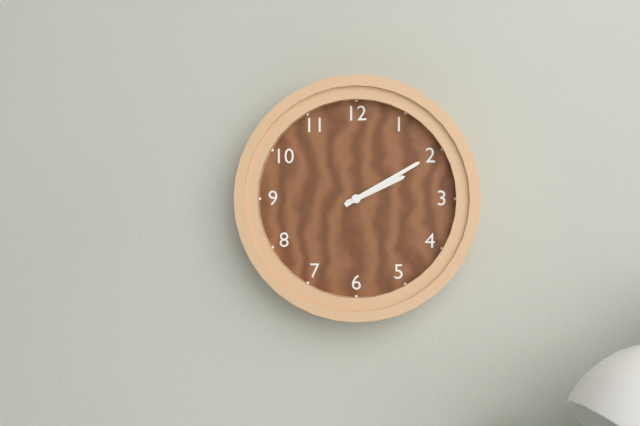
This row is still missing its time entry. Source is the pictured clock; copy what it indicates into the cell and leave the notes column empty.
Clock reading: 2:10
